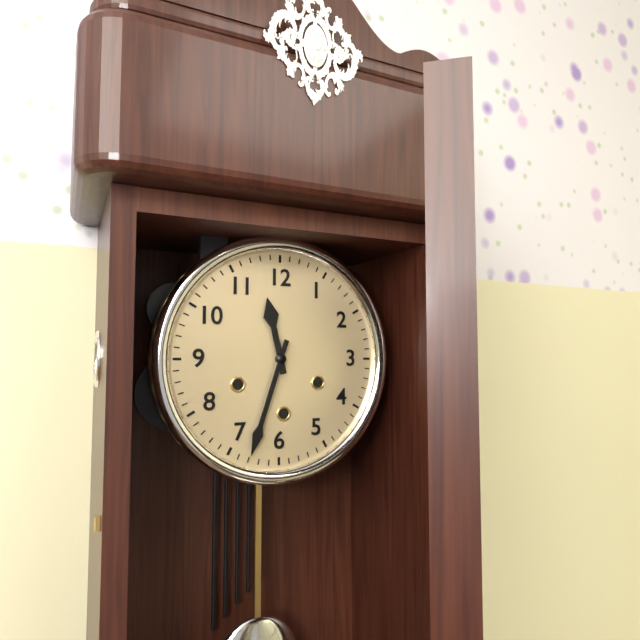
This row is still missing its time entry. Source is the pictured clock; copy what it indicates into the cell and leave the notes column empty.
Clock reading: 11:33
